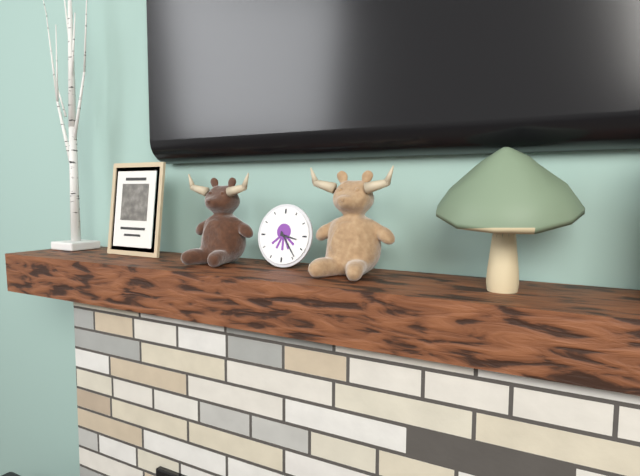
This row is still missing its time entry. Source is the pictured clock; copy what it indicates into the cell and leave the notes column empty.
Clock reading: 3:24
